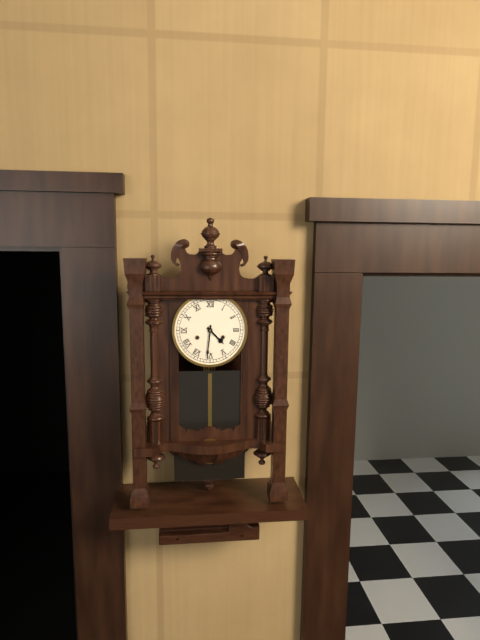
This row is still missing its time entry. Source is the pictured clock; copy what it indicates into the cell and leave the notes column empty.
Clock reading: 4:31
